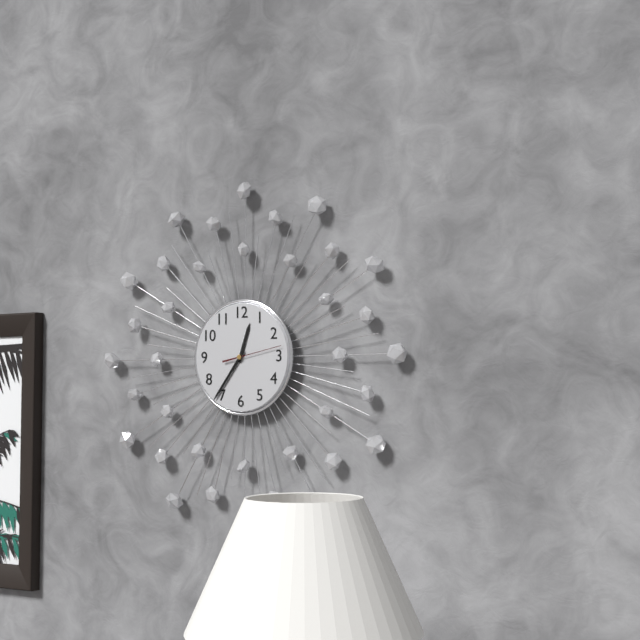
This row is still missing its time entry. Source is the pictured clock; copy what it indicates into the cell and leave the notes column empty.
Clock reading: 12:36:13
